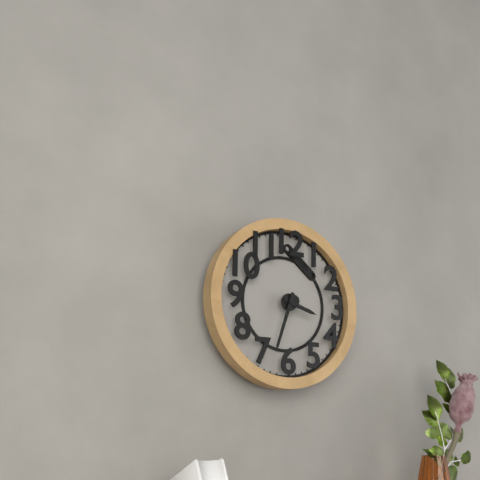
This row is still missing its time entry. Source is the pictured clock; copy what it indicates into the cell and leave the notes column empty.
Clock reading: 3:33
